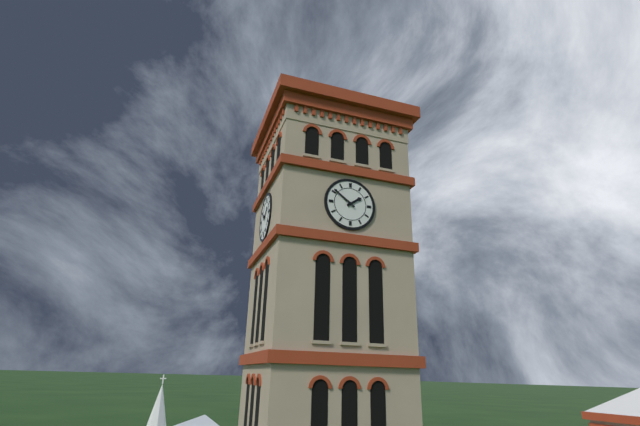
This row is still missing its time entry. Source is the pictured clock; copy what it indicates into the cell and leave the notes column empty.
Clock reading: 1:51
